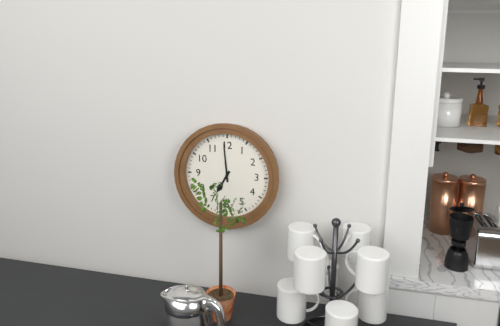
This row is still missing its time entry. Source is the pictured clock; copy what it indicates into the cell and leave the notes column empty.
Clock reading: 6:59
